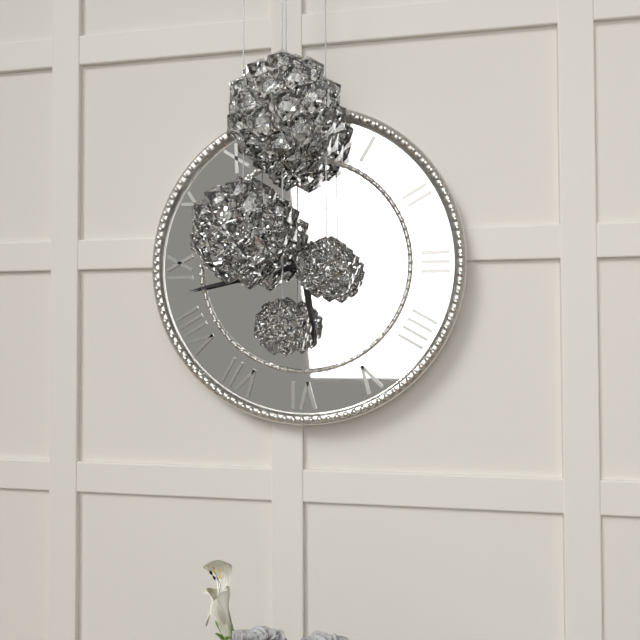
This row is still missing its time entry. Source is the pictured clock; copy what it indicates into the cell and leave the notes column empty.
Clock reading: 5:43
